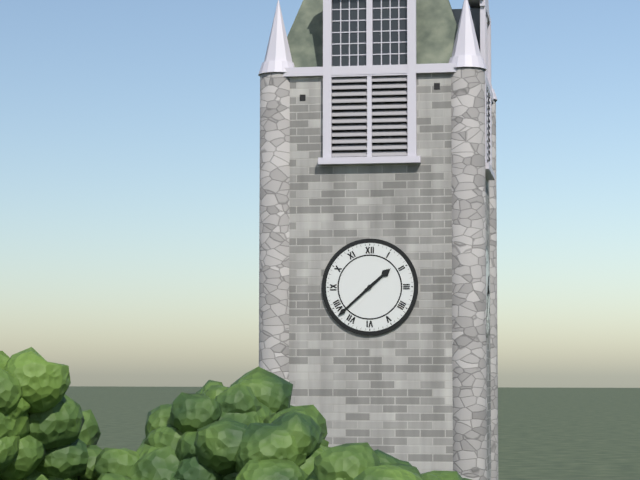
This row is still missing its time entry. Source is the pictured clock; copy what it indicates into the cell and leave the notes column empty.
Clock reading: 1:38
